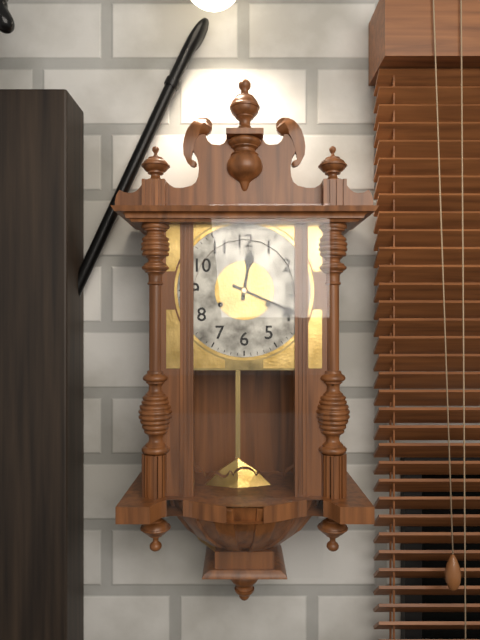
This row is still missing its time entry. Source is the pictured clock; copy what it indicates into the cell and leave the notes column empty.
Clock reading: 12:19
